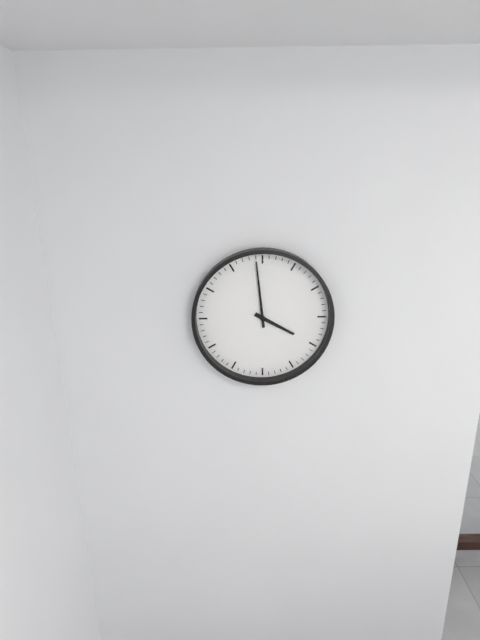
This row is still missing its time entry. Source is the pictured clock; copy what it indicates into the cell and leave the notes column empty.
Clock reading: 3:59
